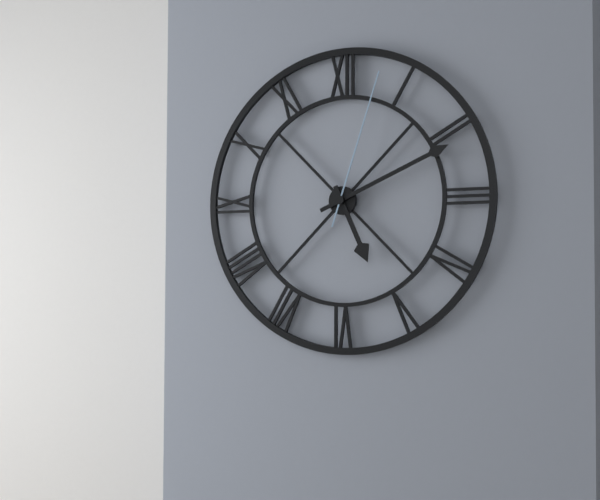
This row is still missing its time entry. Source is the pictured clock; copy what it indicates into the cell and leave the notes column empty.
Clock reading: 5:11:03
